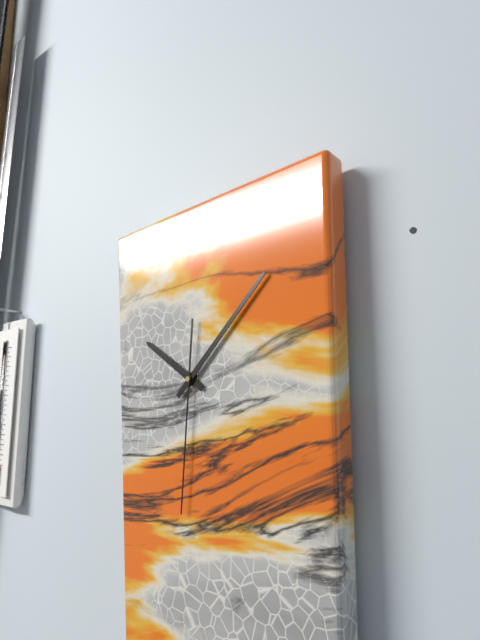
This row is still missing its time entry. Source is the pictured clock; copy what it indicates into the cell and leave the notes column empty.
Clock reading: 10:08:31
